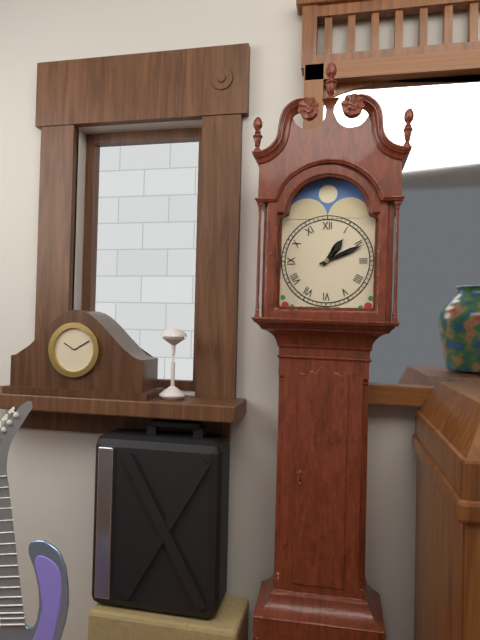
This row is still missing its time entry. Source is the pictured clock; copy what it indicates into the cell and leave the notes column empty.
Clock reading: 1:11
